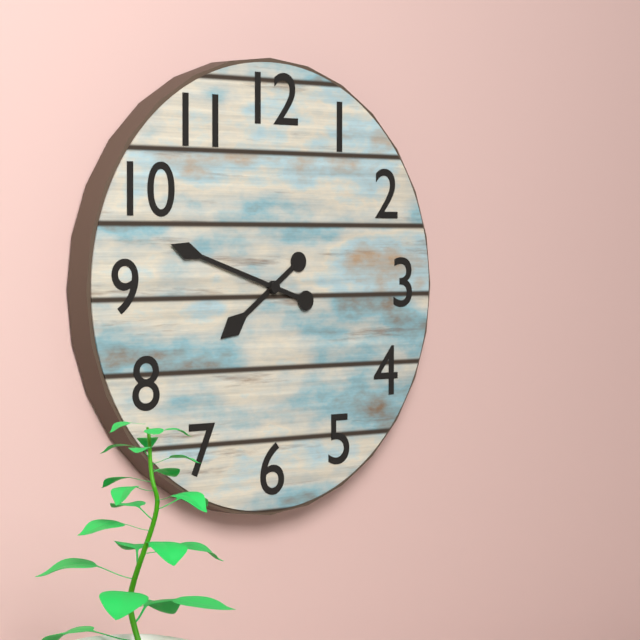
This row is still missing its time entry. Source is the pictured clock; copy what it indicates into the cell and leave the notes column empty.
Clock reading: 7:48
